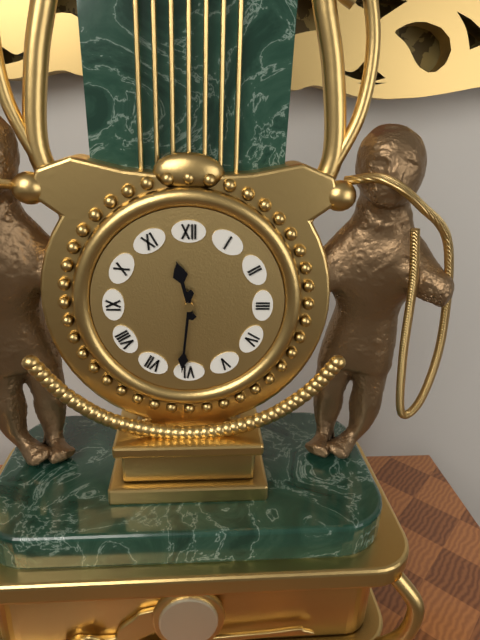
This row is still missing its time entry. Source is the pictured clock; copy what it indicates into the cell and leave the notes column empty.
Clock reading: 11:31
